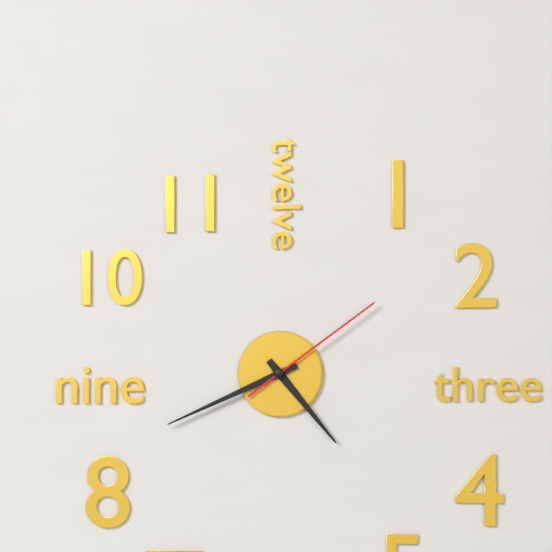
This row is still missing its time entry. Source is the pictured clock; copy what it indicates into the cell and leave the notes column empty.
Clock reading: 4:41:09
